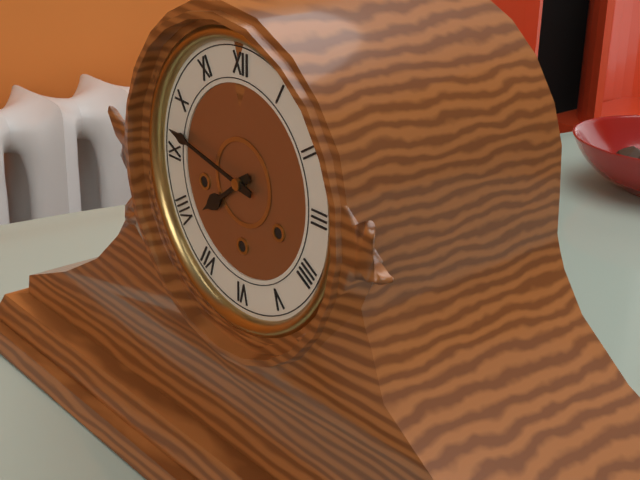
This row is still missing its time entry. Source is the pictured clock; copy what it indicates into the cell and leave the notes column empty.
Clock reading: 7:47
